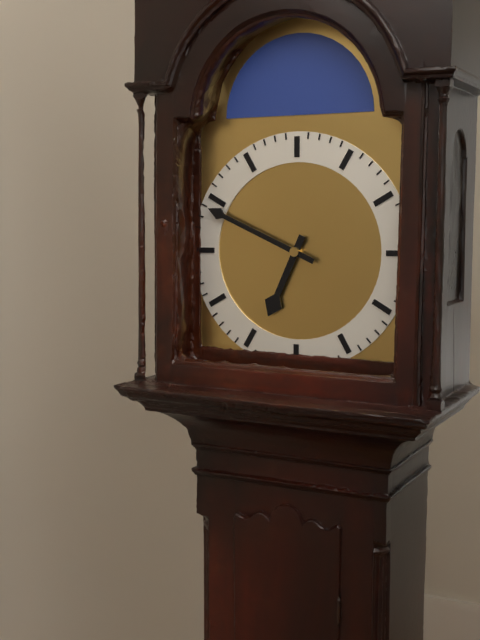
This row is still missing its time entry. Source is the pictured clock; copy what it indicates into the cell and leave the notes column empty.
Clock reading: 6:49
